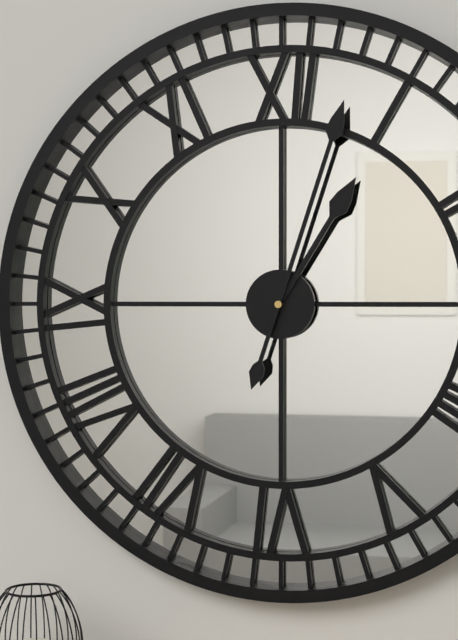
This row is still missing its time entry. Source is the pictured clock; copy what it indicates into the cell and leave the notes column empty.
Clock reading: 1:03
